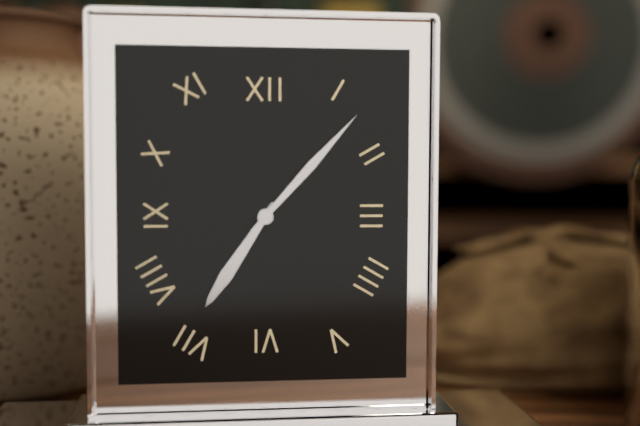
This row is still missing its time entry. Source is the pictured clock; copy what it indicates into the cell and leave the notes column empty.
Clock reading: 7:07
